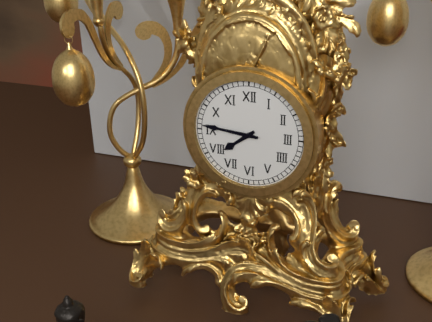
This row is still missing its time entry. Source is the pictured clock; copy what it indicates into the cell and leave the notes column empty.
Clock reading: 7:46
